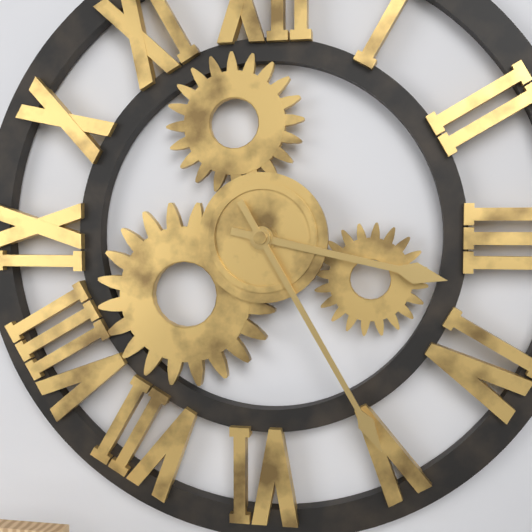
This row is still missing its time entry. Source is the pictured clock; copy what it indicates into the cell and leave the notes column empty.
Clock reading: 3:25
